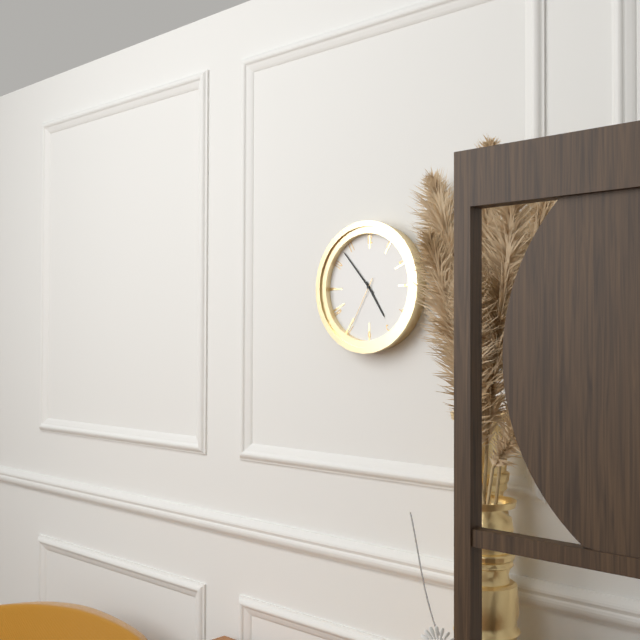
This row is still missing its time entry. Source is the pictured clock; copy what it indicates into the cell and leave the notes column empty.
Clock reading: 4:53:35
